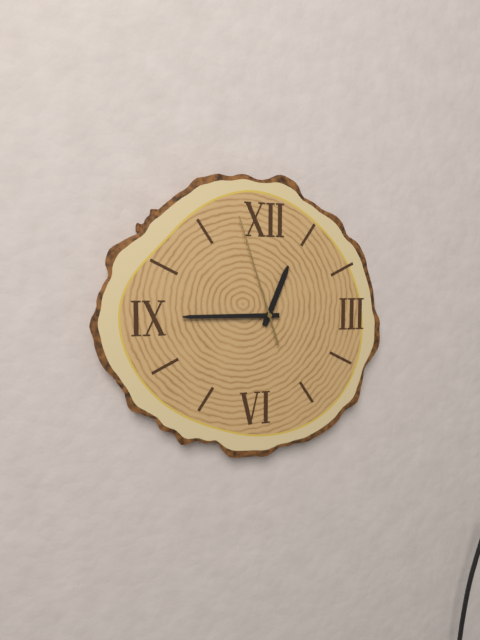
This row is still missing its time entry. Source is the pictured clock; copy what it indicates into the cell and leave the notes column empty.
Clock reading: 12:45:57
